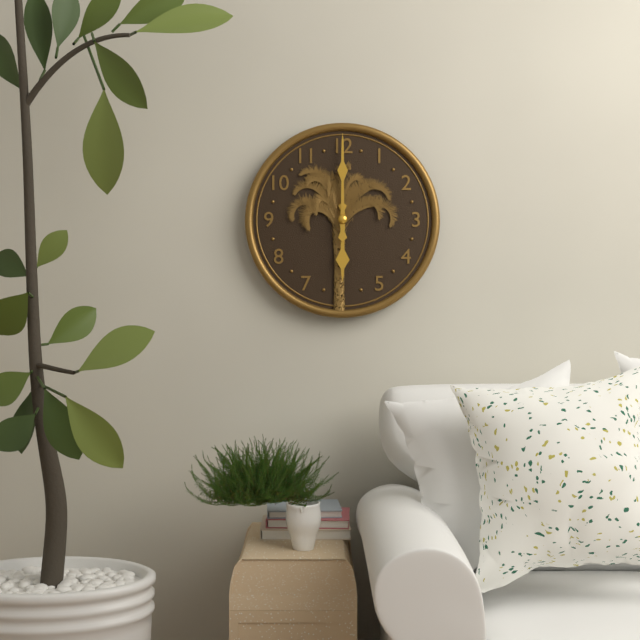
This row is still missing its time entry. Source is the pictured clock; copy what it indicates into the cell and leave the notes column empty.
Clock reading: 6:00
